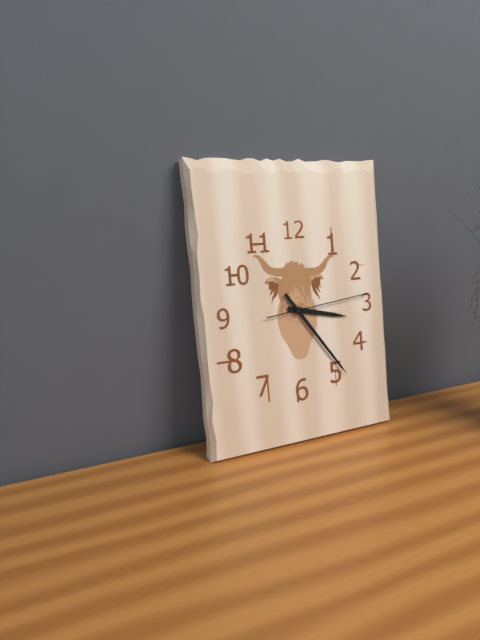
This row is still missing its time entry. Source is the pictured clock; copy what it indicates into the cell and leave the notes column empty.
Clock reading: 3:24:14
